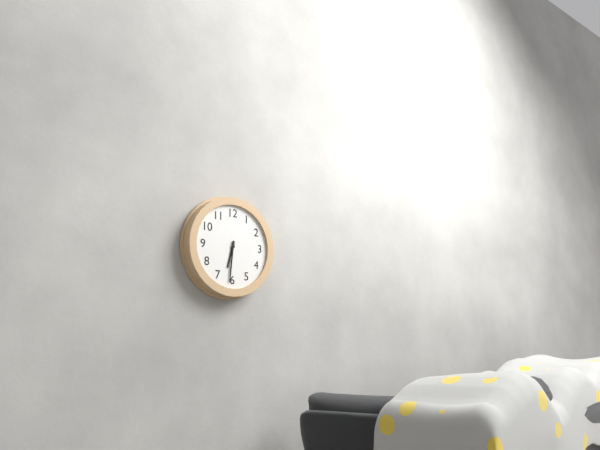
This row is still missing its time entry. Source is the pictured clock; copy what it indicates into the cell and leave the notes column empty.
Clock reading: 6:31
